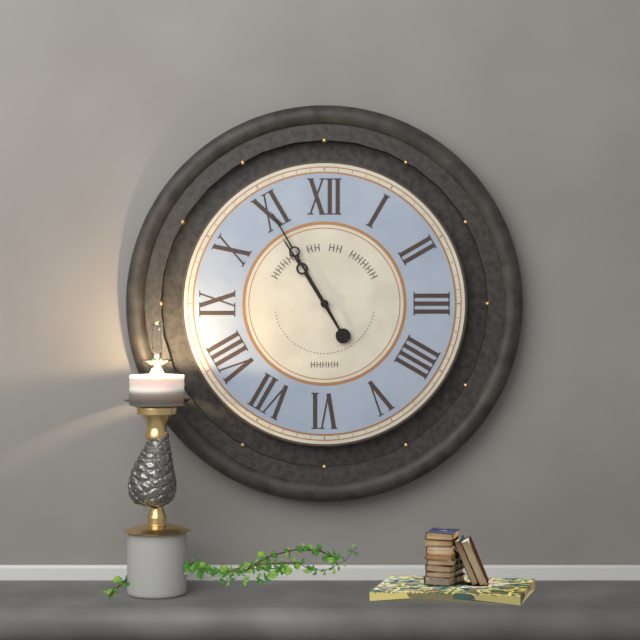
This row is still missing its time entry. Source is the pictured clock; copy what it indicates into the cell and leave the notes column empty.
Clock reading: 10:55
